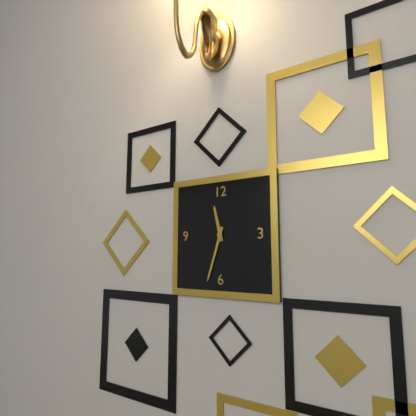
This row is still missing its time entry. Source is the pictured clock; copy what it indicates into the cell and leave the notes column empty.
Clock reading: 11:33
